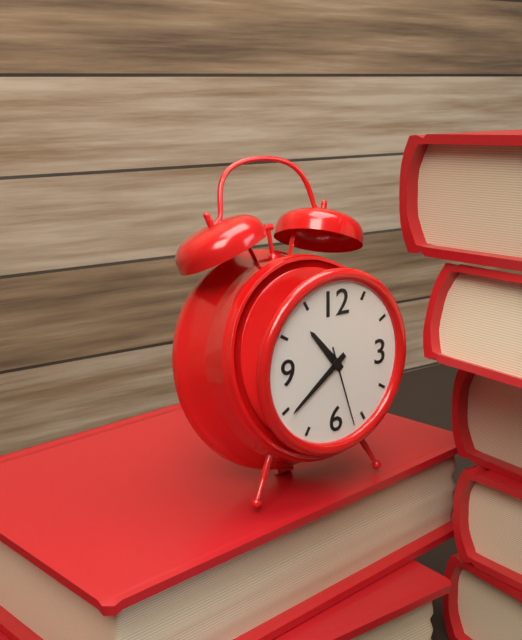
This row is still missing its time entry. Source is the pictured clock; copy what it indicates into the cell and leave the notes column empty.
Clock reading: 10:39:27
